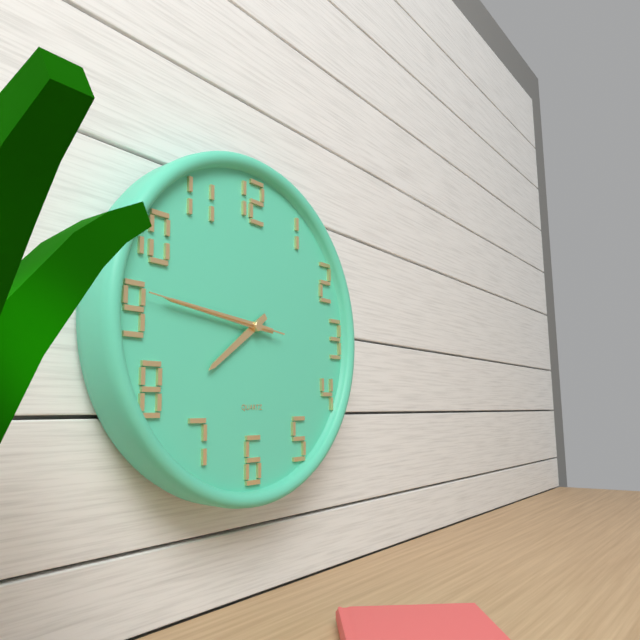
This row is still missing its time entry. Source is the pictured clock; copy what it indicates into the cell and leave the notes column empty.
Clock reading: 7:46:46
